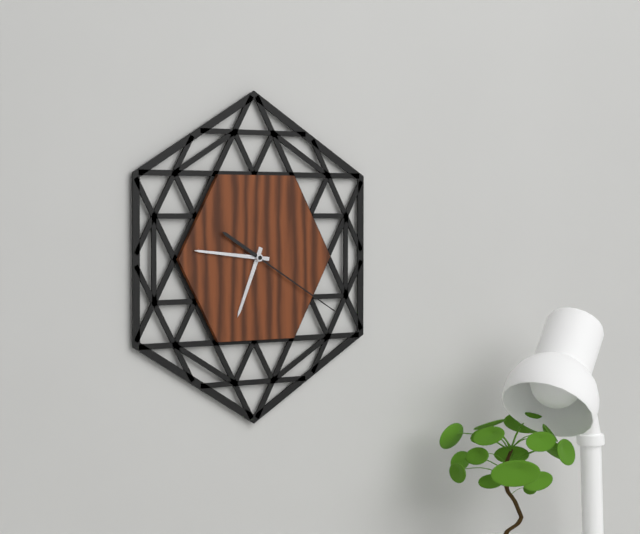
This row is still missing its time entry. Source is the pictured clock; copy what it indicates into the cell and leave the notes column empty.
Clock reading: 6:46:20
